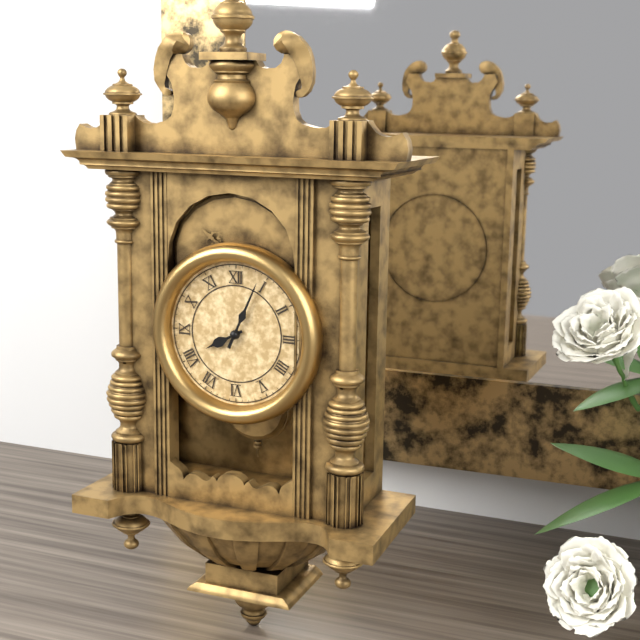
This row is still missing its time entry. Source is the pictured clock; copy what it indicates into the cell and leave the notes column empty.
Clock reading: 8:04
